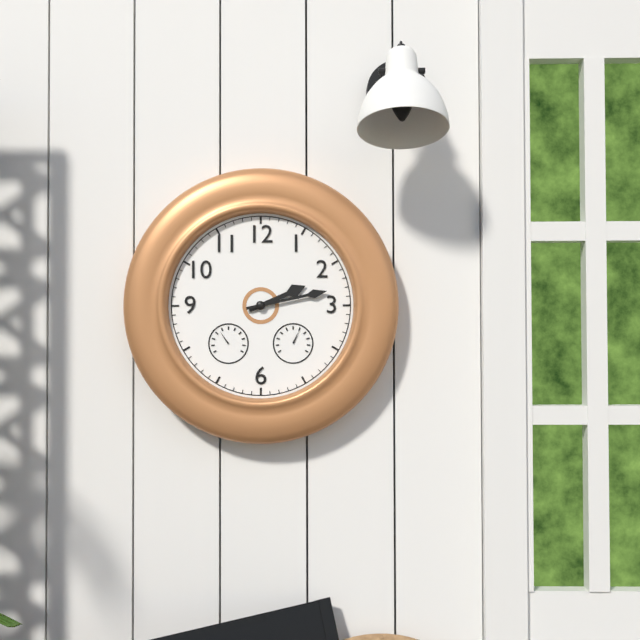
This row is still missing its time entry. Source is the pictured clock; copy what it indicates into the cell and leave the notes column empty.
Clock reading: 2:13
